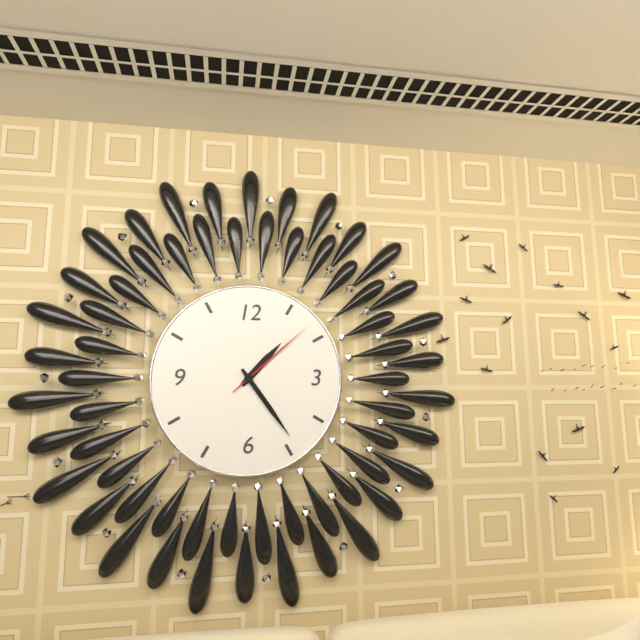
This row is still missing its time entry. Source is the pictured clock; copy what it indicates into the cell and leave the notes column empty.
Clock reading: 1:24:08
